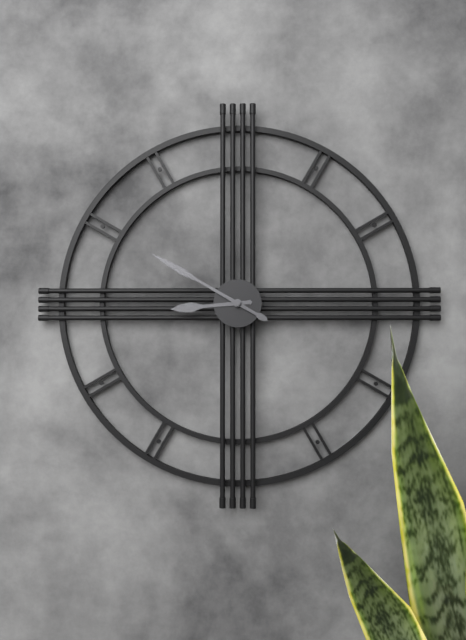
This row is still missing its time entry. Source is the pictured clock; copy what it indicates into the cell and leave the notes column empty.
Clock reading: 8:50
